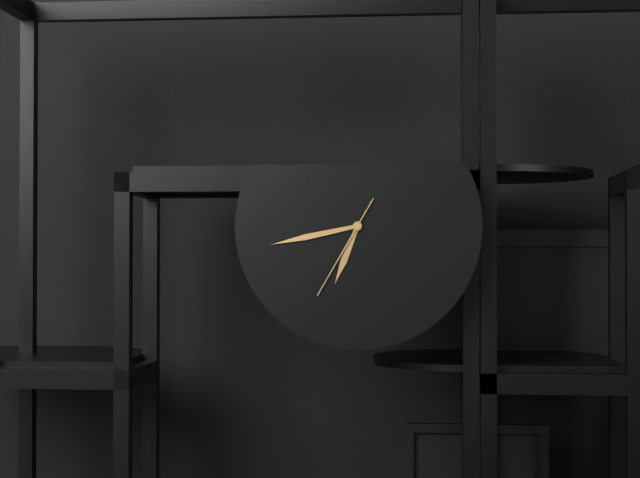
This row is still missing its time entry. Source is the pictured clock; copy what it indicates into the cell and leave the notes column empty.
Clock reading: 6:43:35
